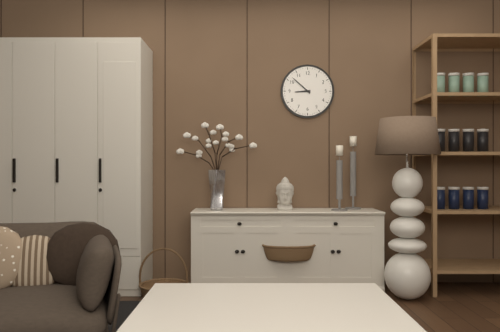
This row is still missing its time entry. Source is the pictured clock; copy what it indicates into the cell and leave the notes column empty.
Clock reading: 8:52
